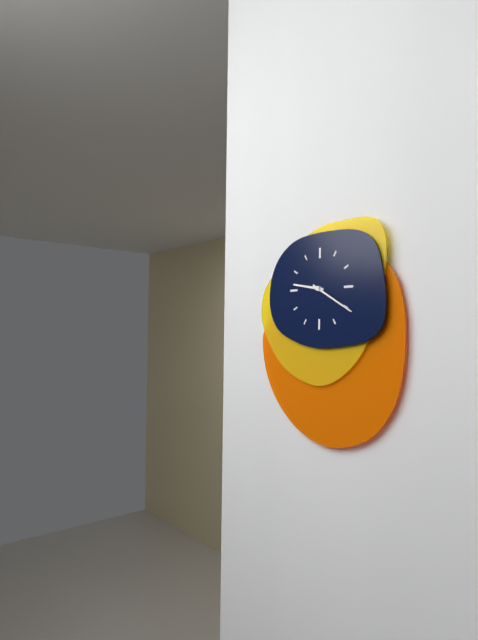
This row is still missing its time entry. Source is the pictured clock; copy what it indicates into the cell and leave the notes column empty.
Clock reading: 9:20
